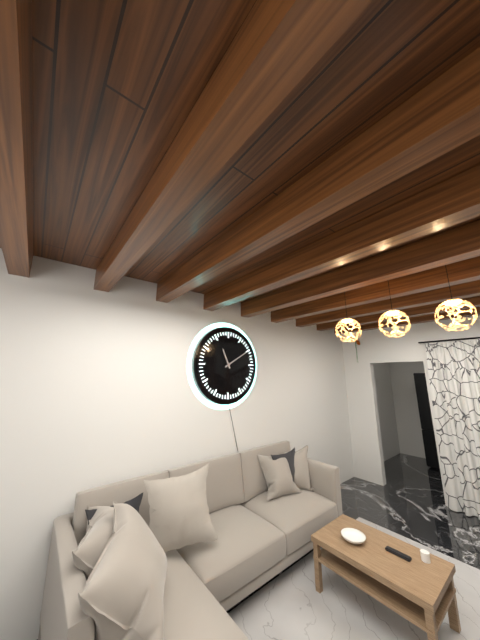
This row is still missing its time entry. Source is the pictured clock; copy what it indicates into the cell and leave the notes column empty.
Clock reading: 11:10
